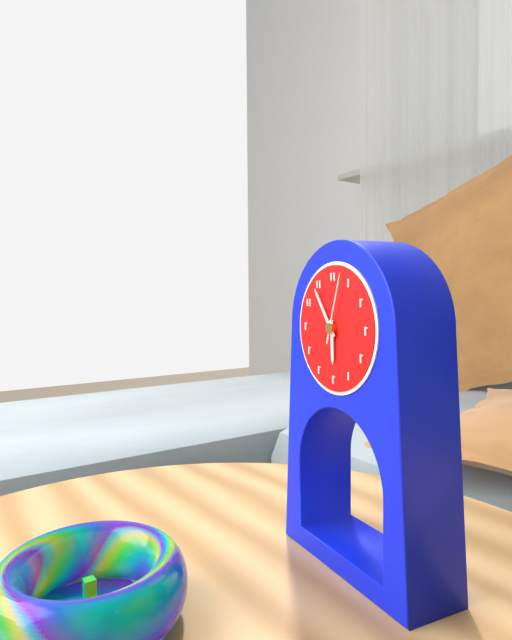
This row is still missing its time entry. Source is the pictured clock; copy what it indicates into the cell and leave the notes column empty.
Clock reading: 5:54:03
